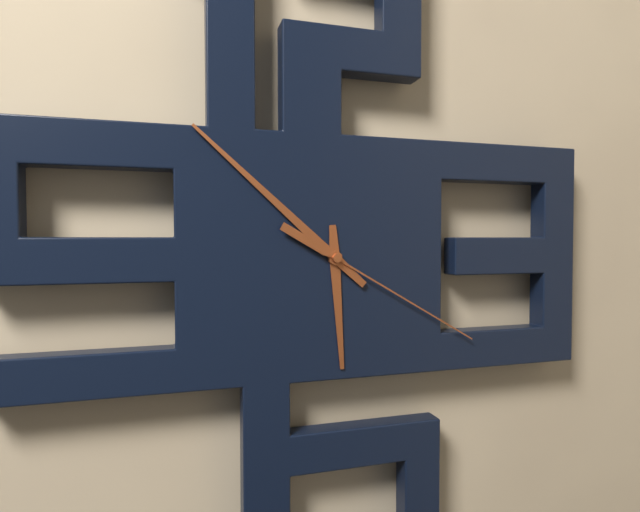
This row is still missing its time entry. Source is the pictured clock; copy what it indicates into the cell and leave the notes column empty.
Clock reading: 5:52:20
